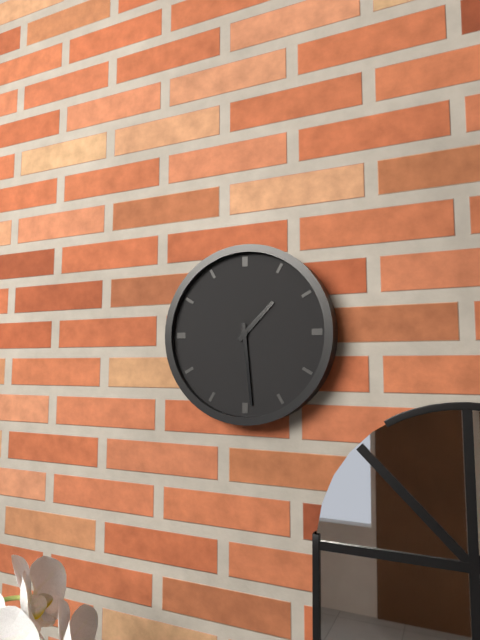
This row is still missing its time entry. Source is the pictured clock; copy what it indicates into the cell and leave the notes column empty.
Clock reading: 1:29
